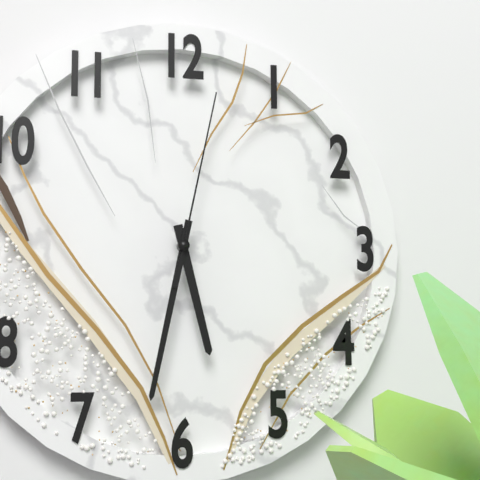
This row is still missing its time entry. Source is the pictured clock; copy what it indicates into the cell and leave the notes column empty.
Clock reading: 5:32:02
